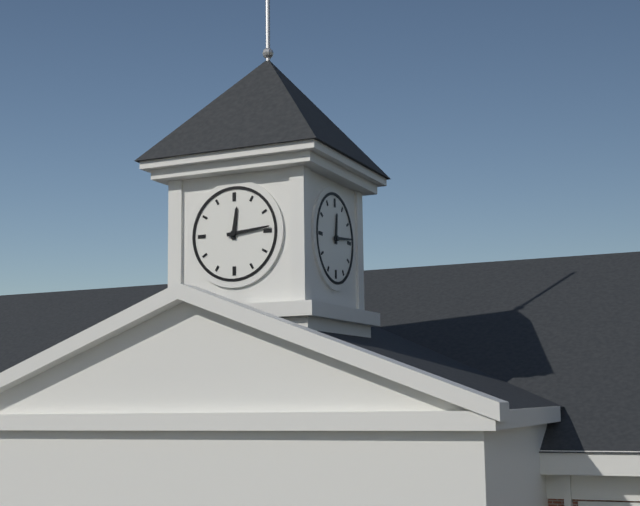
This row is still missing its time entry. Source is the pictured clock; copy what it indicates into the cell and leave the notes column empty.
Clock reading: 12:14
